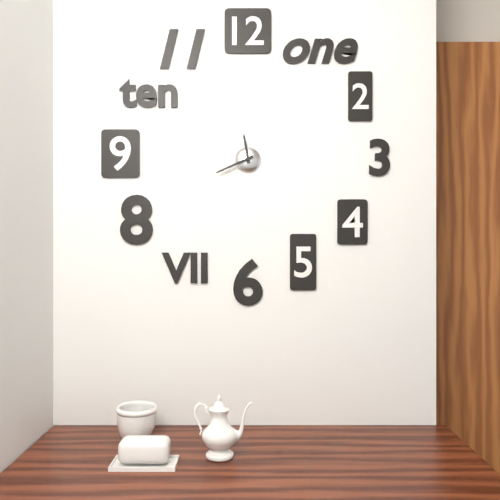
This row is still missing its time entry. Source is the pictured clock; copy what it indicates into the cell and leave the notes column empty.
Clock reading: 11:41
